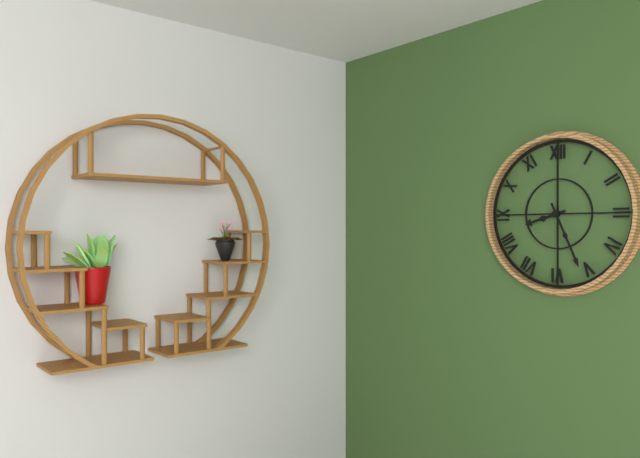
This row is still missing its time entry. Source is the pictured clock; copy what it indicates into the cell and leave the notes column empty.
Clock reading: 8:26
